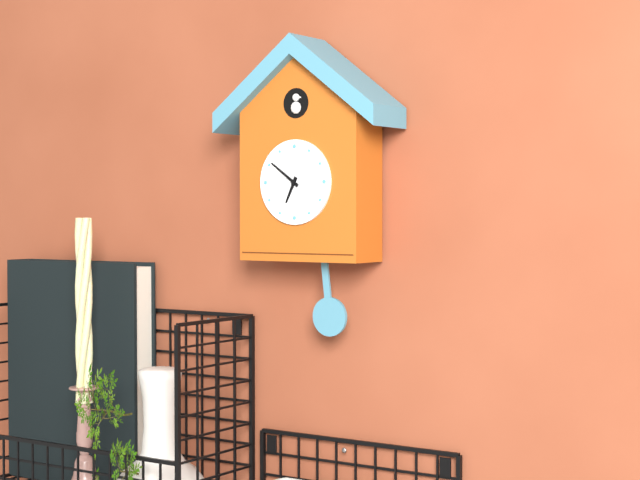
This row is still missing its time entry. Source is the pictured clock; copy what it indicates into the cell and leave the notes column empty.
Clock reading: 6:51
